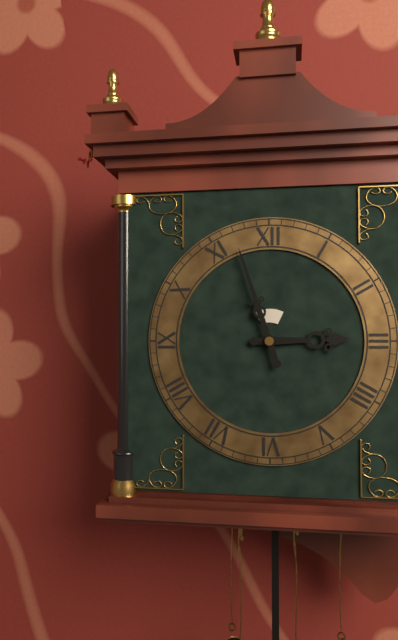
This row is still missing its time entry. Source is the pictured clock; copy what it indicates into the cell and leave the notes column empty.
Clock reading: 2:57
